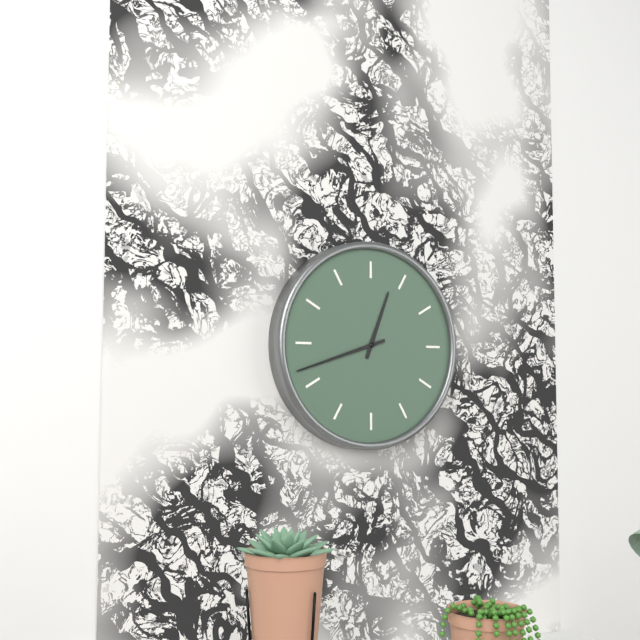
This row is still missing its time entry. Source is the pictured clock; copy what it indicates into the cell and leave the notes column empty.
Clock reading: 12:42
